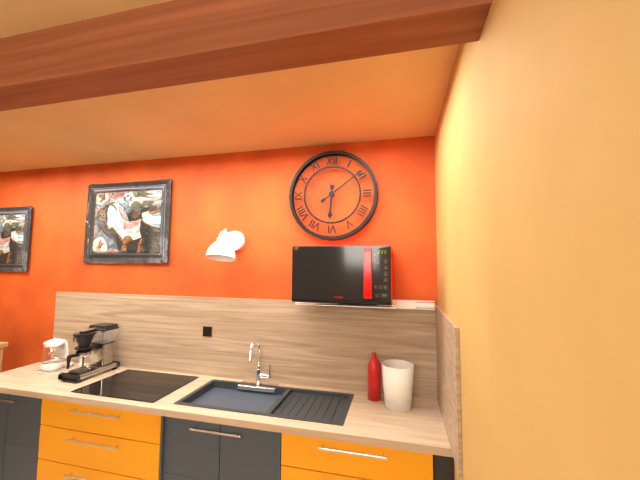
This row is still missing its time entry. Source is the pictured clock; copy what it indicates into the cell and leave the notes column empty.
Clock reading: 6:09
